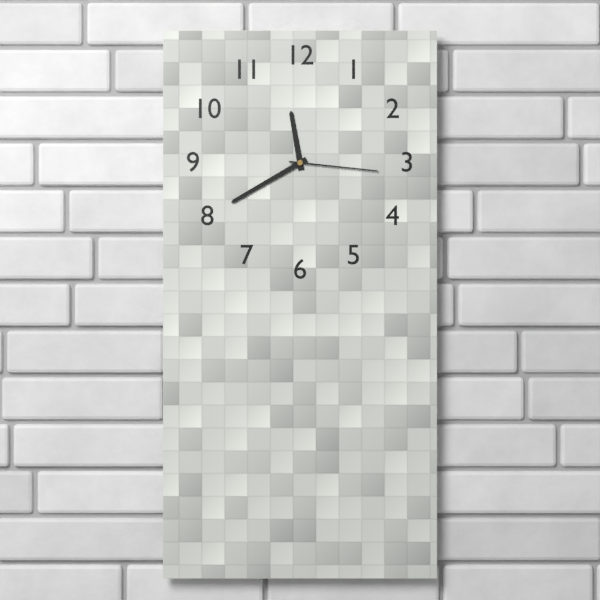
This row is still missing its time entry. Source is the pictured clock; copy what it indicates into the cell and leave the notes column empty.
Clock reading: 11:40:16
